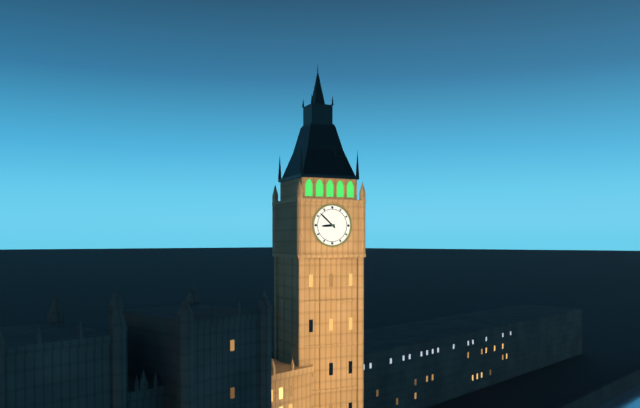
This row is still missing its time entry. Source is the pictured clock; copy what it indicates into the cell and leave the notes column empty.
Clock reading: 8:52
